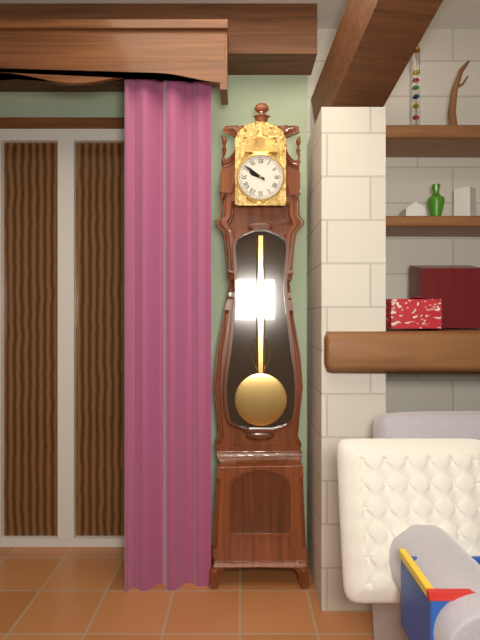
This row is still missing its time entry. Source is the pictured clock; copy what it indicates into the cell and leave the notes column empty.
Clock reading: 9:51
